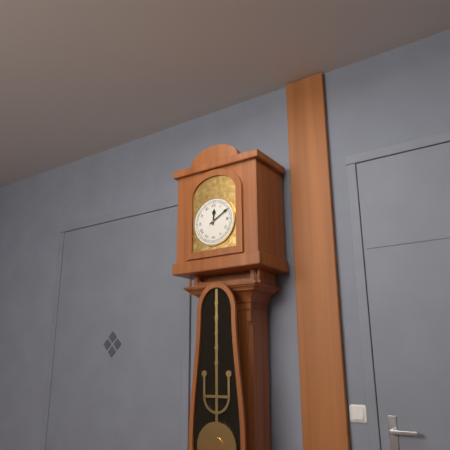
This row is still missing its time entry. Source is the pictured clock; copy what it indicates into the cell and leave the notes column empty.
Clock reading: 12:10
